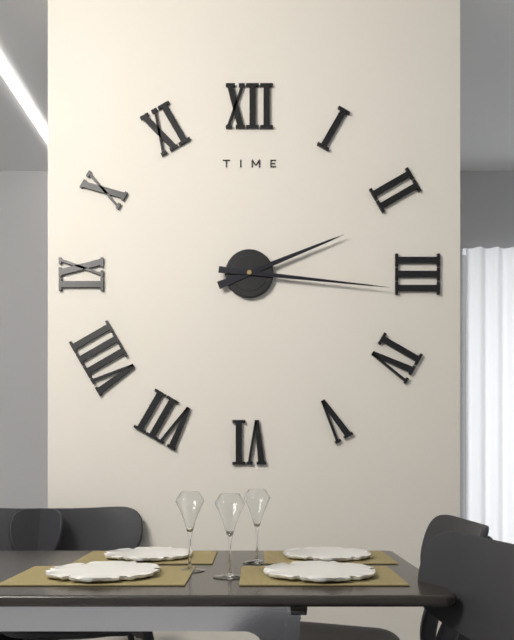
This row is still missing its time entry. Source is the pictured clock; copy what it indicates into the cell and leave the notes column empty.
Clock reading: 2:16
